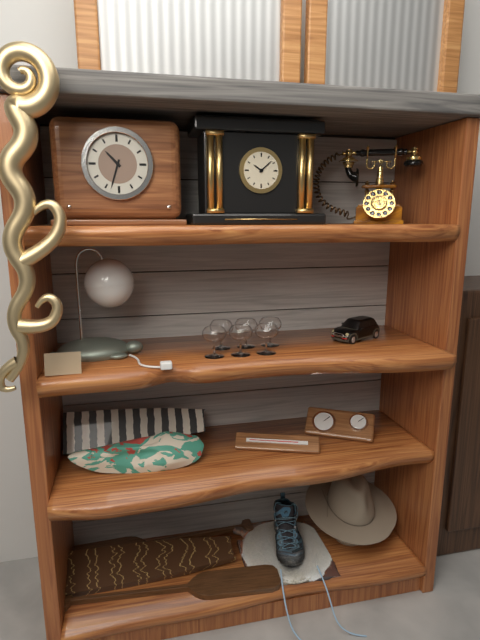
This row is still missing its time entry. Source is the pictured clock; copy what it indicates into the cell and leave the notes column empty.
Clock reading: 10:33
